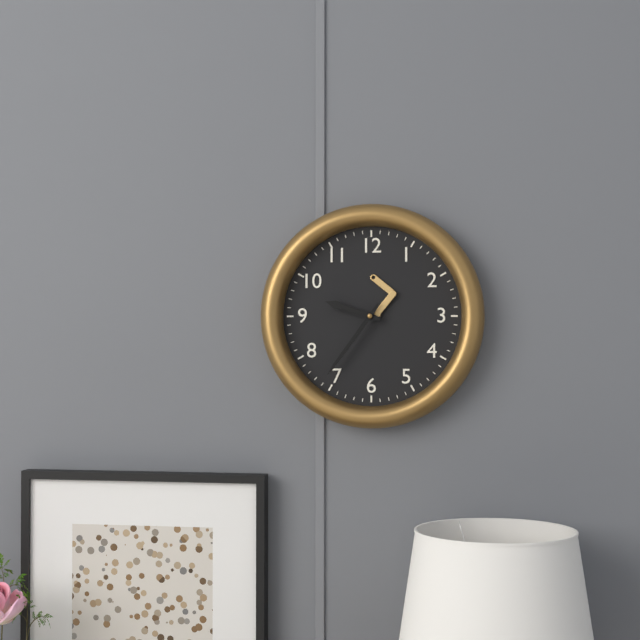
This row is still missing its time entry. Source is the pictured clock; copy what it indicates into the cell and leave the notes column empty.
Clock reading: 9:36
